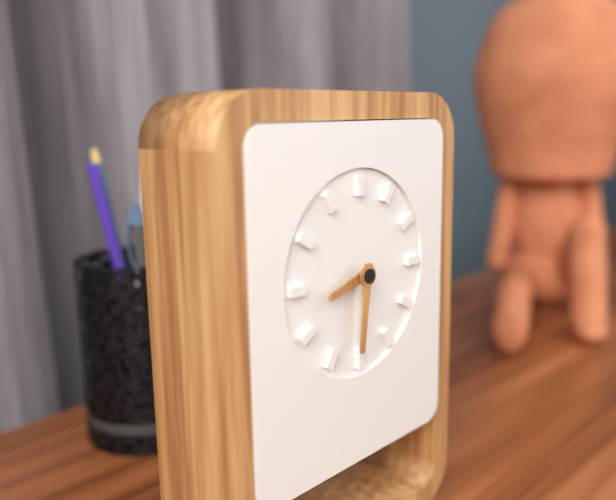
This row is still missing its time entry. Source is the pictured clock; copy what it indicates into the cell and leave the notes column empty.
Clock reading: 8:31
